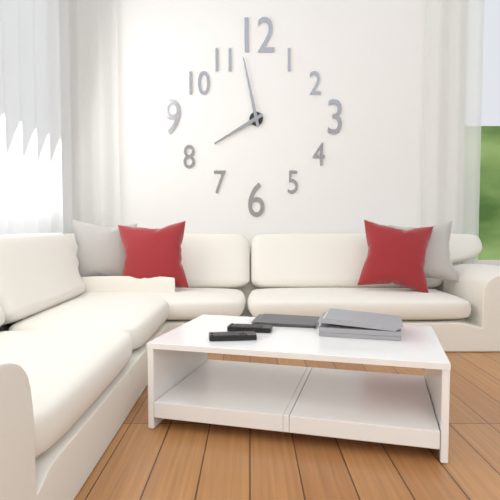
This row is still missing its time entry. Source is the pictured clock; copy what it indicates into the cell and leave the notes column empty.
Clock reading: 7:58
